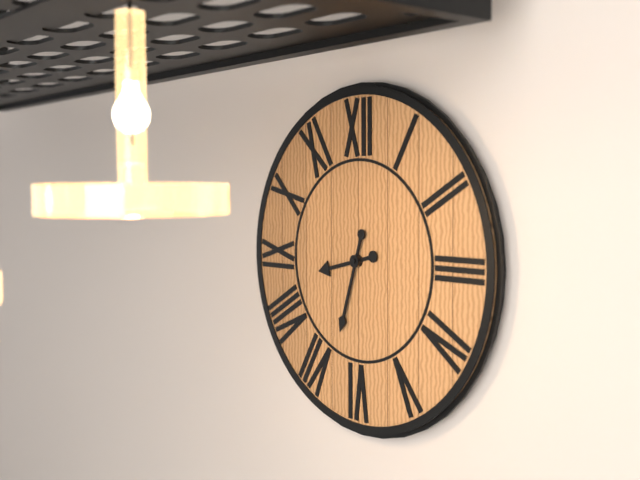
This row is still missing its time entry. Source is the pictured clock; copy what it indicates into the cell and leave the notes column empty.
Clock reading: 8:33
